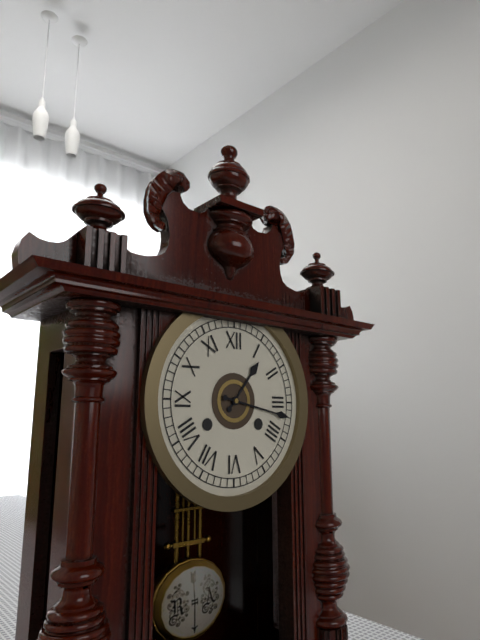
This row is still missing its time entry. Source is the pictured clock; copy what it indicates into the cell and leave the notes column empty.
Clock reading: 1:17
